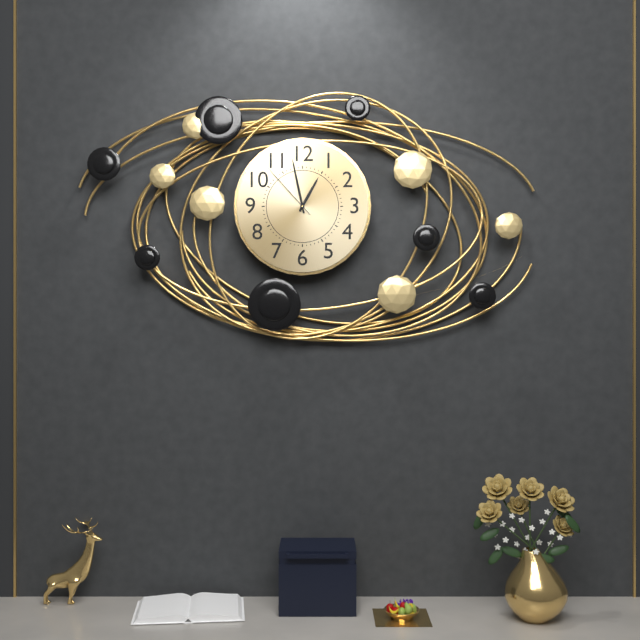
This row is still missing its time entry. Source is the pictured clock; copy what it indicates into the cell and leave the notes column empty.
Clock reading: 12:58:53
